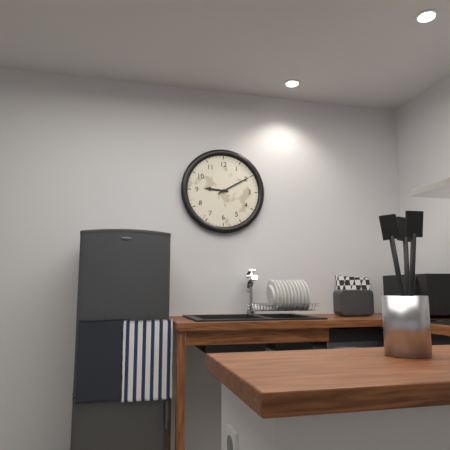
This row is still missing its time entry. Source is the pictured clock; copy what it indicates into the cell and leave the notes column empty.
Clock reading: 9:10
